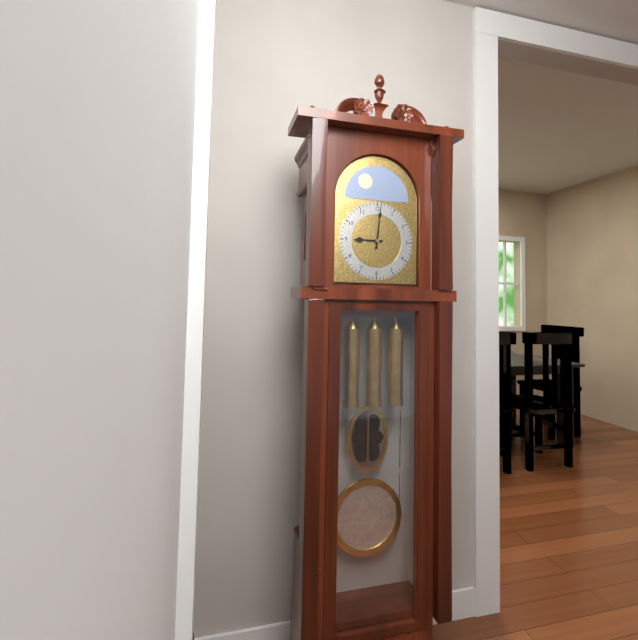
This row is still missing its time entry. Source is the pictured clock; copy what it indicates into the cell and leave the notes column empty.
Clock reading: 9:01
